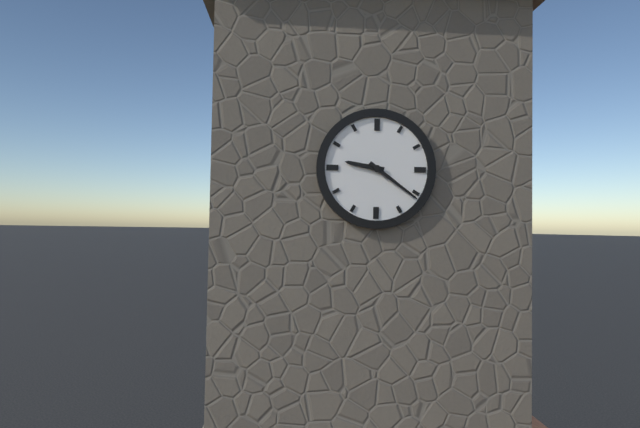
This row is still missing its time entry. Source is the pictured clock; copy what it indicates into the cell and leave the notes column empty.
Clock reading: 9:21
